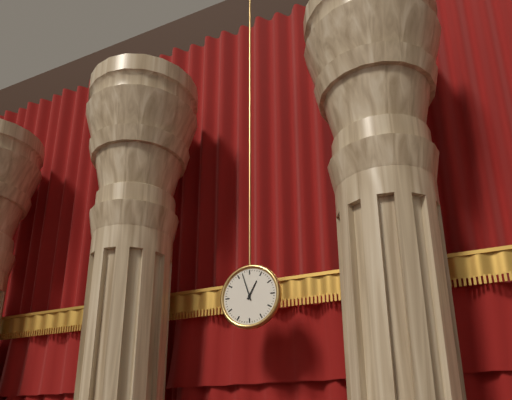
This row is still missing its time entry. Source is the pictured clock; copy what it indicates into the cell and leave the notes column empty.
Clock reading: 12:57
